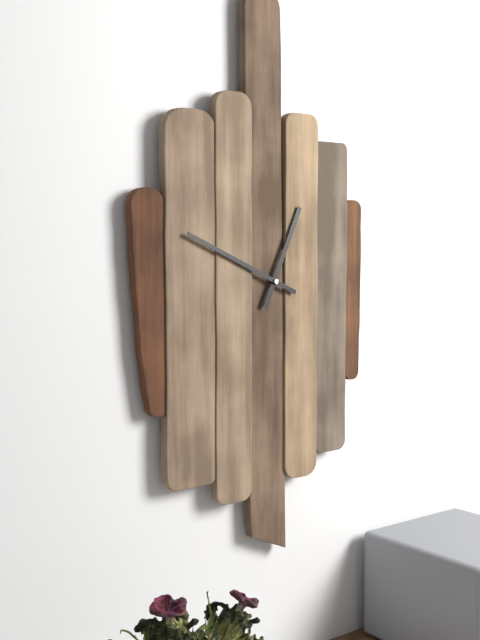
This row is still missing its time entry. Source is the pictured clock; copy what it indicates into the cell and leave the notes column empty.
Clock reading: 12:49
